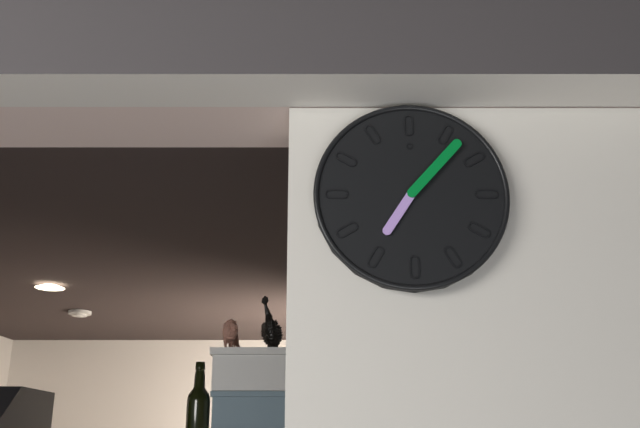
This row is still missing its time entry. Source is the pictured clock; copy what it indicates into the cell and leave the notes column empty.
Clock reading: 7:07
